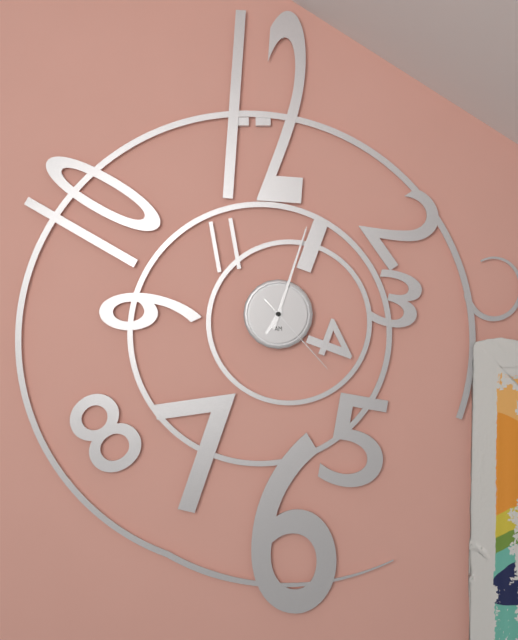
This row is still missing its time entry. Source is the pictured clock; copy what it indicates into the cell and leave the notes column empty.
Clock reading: 7:03:23
